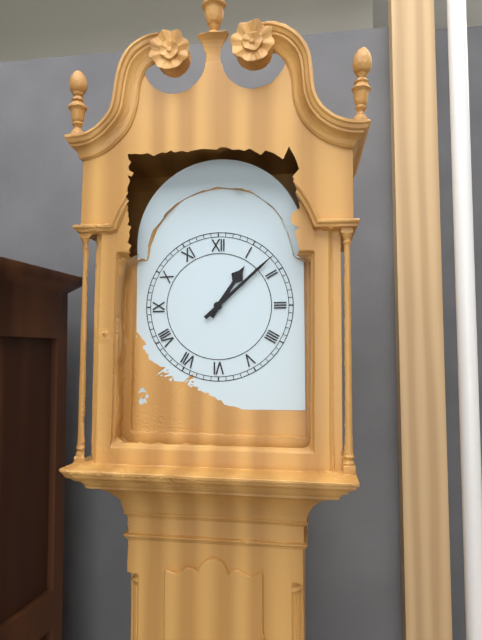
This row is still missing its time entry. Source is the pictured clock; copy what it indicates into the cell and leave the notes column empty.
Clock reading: 1:08
